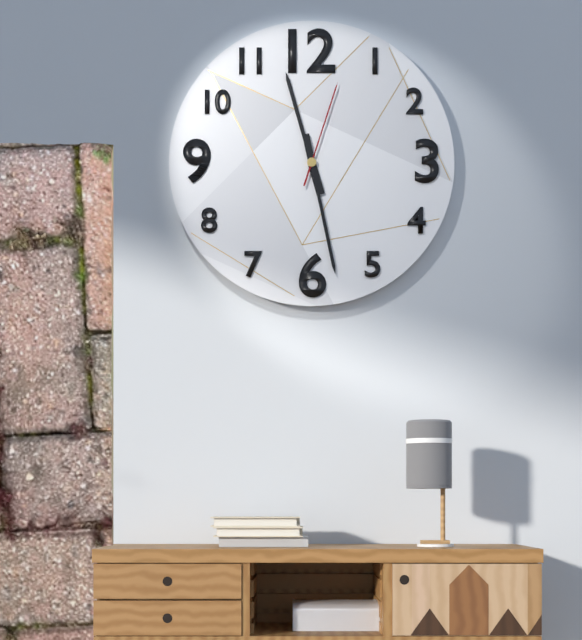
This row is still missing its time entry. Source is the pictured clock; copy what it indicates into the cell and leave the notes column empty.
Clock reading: 11:28:03
